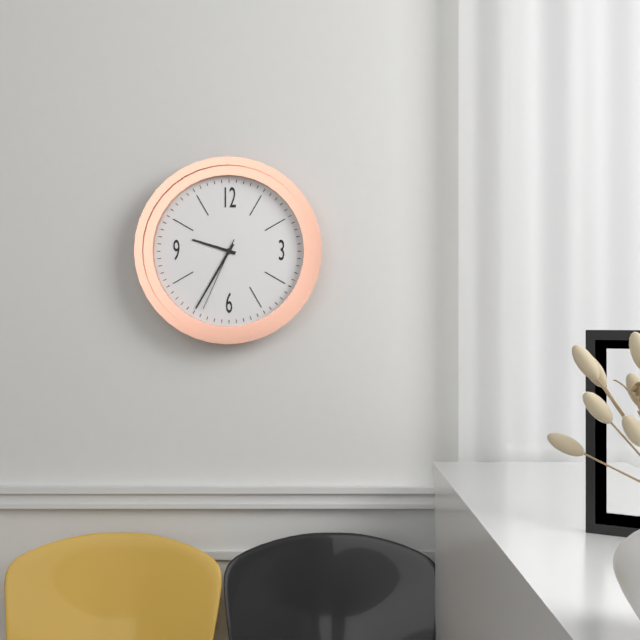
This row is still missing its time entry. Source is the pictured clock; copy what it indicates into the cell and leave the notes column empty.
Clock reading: 9:35:34
